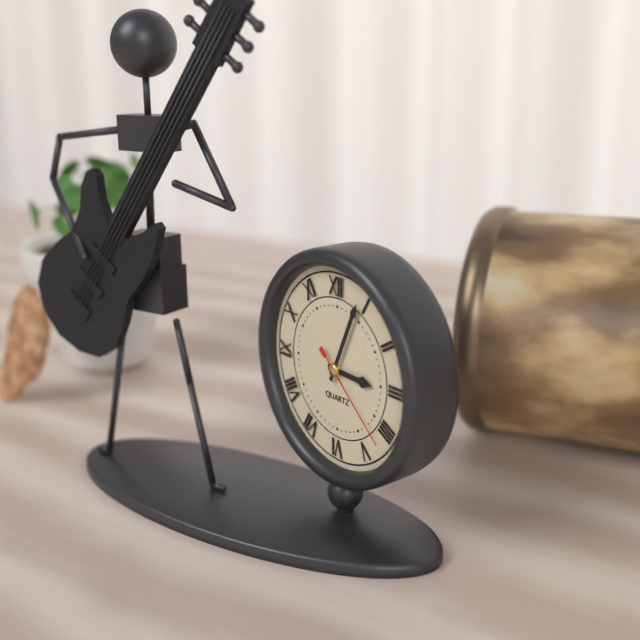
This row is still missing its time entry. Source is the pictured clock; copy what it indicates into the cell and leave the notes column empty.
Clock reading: 3:04:22
